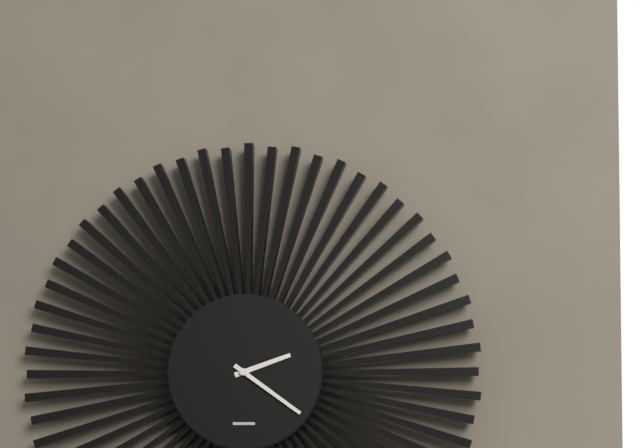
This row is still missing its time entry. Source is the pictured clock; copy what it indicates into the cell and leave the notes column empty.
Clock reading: 2:21
